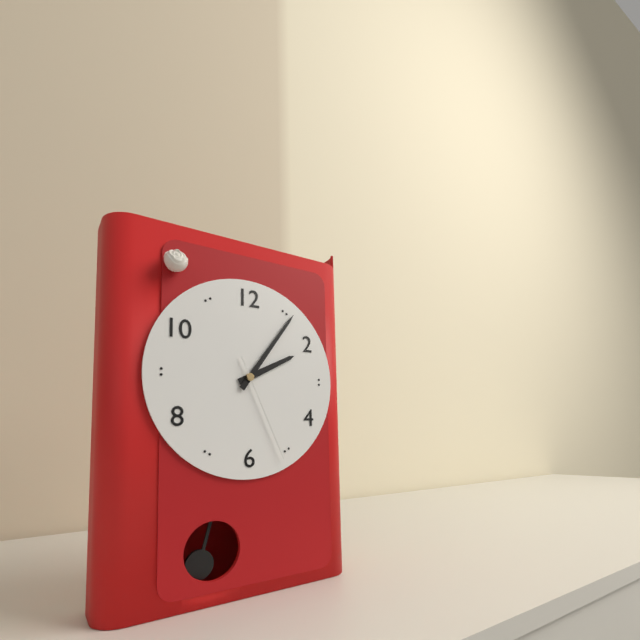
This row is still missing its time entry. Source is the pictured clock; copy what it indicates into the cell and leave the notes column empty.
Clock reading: 2:06:26
